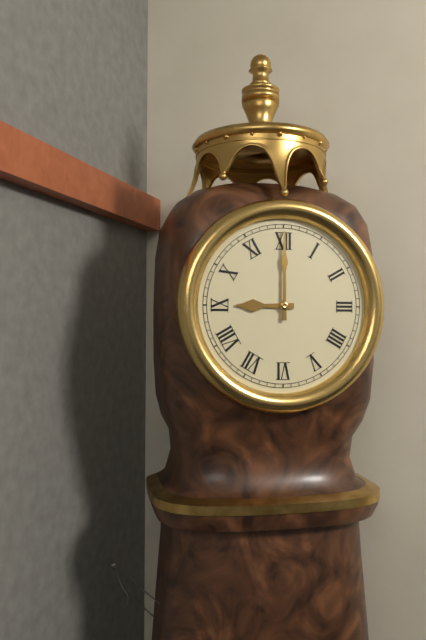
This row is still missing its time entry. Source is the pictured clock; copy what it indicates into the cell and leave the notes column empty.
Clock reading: 9:00
